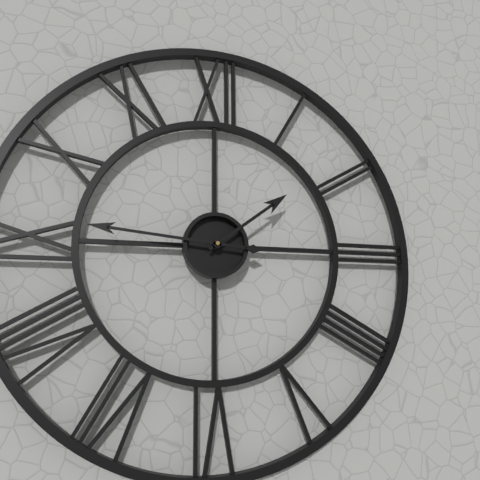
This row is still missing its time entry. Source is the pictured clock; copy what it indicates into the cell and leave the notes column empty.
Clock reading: 1:46
